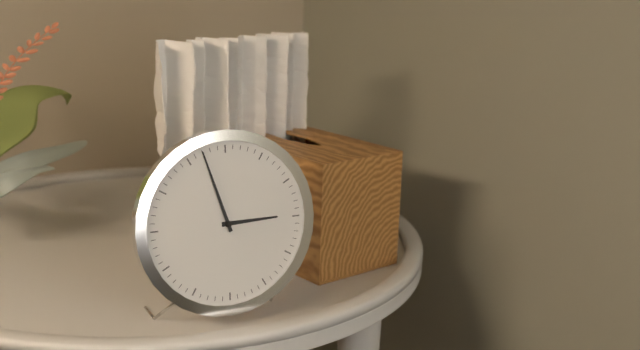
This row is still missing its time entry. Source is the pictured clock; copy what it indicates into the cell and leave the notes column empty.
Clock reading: 2:57
